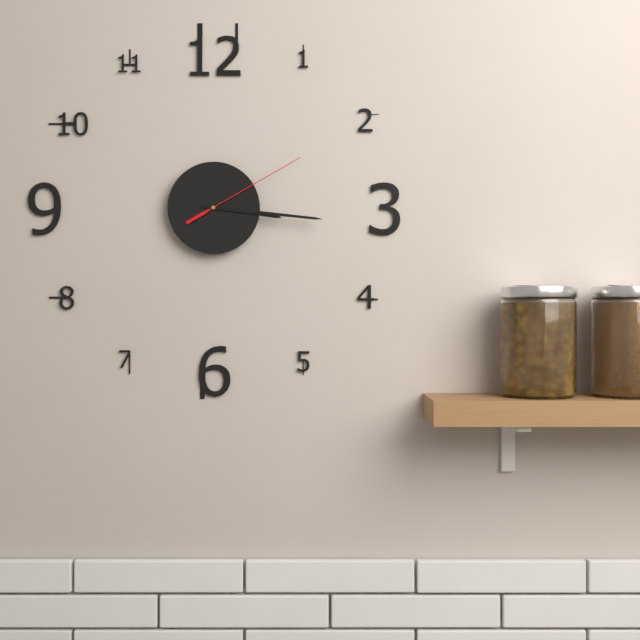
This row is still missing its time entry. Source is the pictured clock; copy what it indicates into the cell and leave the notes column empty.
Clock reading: 3:16:10
